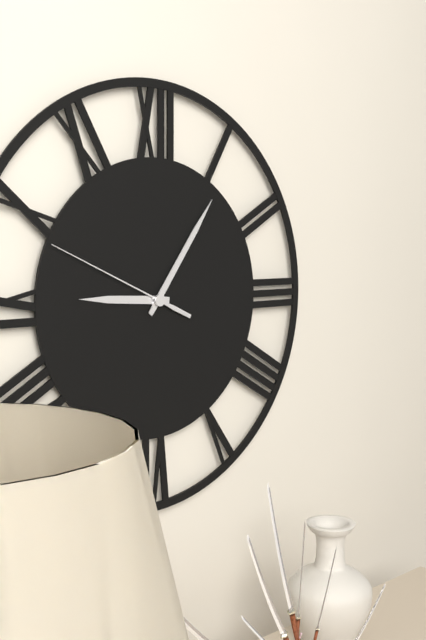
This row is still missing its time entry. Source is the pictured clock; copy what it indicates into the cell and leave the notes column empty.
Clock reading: 9:06:49
